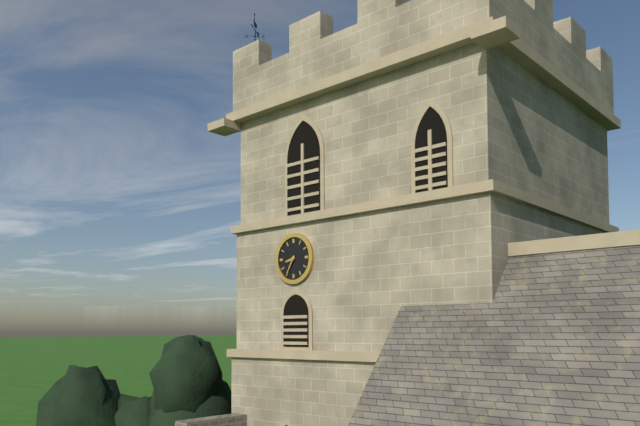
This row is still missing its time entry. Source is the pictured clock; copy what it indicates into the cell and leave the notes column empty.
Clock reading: 8:35
